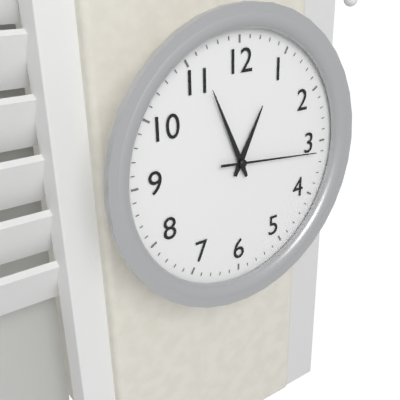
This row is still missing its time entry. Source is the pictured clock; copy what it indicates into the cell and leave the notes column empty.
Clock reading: 12:56:16
